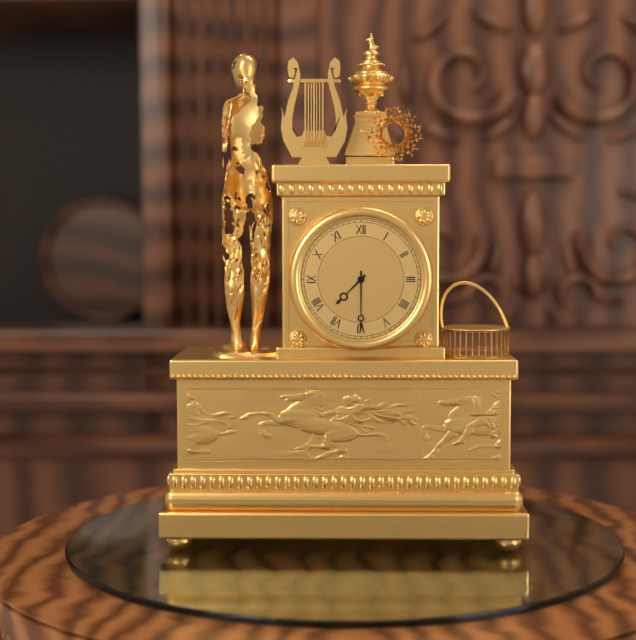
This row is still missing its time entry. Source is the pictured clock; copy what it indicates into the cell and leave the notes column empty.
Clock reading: 7:30
